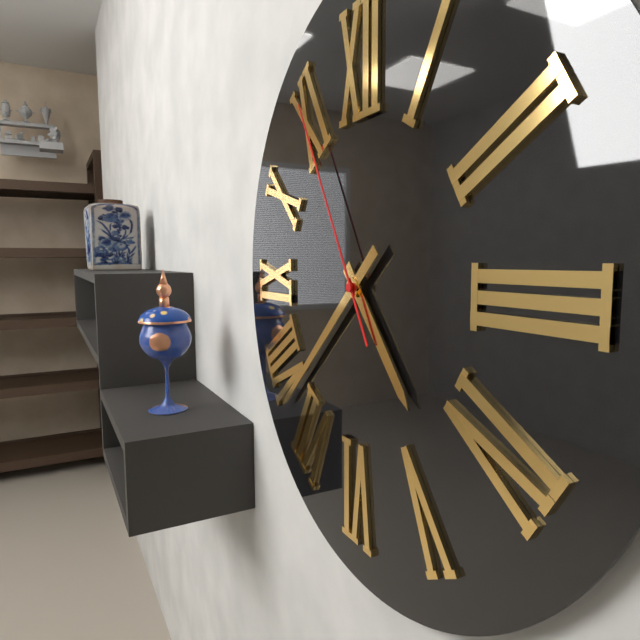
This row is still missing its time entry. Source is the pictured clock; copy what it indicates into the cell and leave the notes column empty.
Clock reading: 4:38:55
